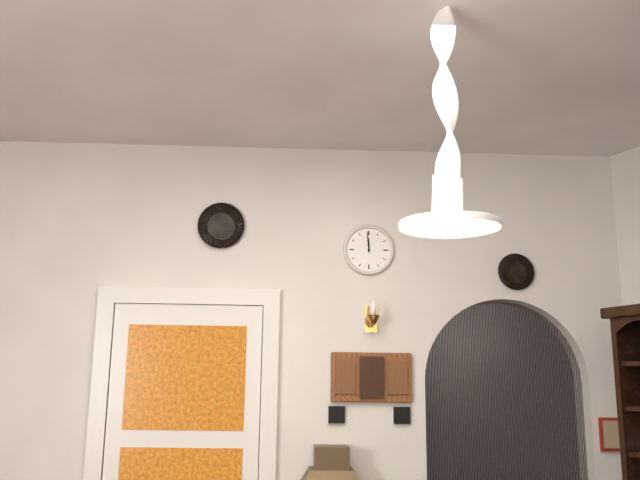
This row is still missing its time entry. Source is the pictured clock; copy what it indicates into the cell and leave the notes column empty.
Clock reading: 11:59
